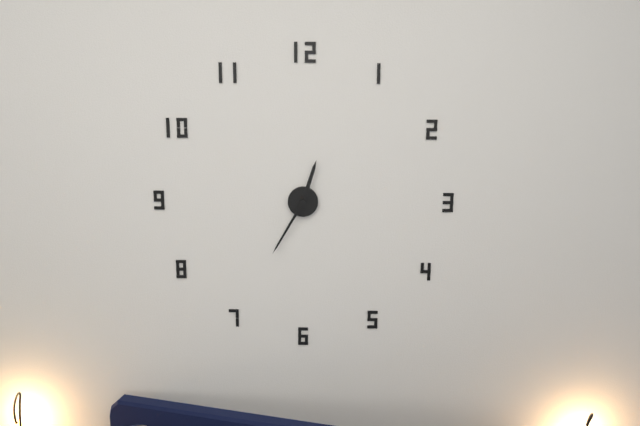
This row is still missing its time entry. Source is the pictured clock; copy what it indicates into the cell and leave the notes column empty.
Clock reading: 12:35
